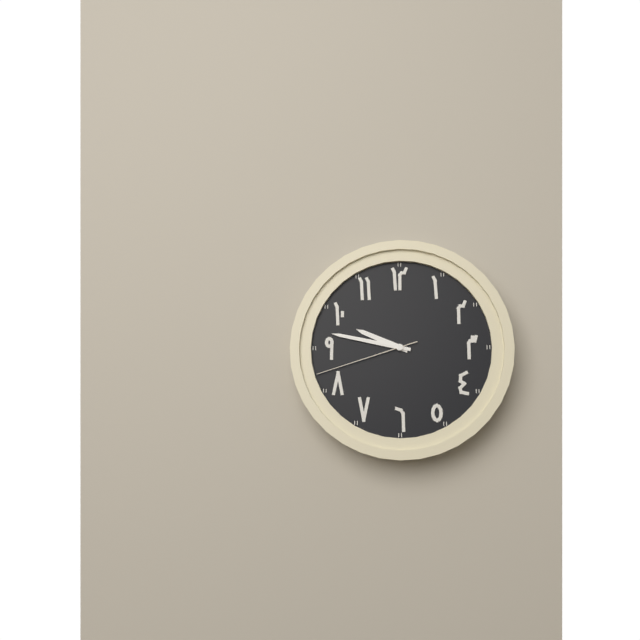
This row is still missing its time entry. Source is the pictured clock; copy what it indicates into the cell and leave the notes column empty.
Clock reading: 9:47:42
